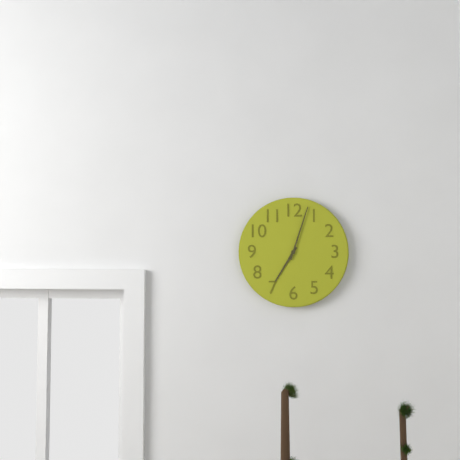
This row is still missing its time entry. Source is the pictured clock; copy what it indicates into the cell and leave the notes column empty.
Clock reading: 7:03
